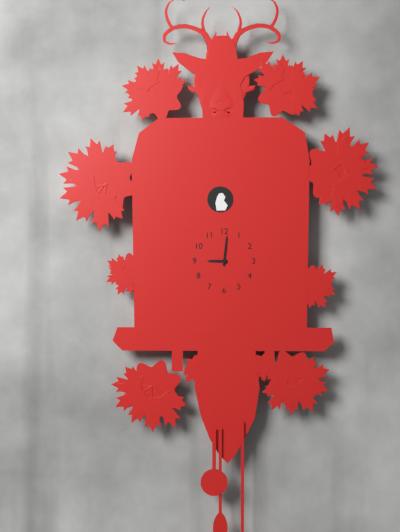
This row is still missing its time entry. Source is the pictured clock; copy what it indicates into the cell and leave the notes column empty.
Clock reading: 9:01
